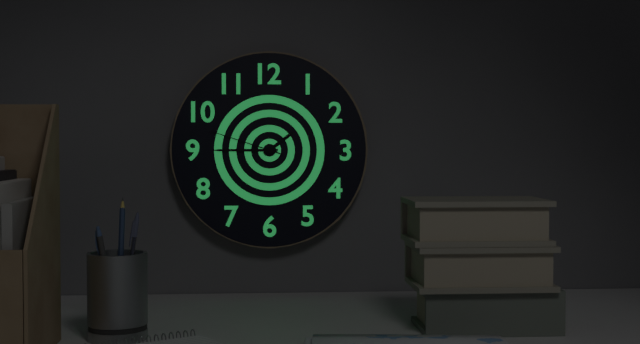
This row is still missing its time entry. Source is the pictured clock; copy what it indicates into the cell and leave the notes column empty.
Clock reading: 1:45:48
